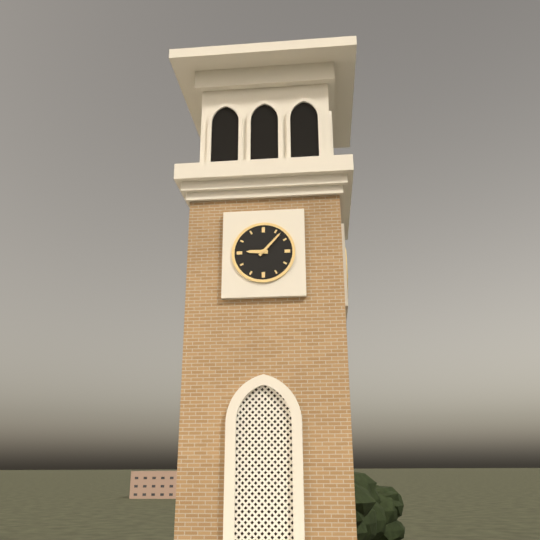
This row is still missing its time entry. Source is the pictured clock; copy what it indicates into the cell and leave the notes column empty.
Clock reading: 9:07
